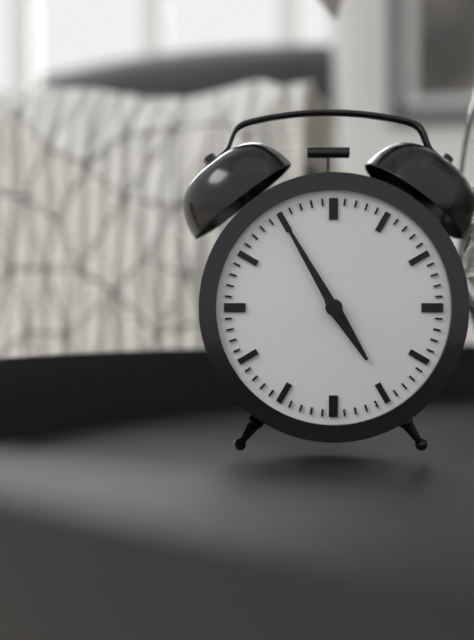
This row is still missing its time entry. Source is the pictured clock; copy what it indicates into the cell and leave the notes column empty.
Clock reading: 4:55
